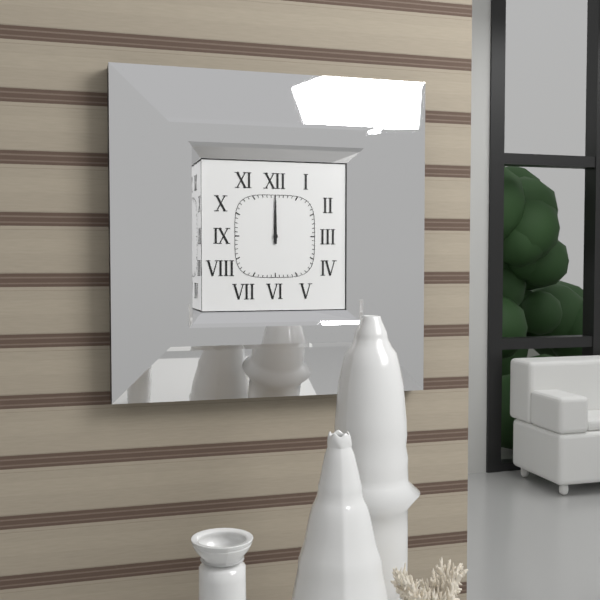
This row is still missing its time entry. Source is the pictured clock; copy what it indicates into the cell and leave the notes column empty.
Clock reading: 12:00
